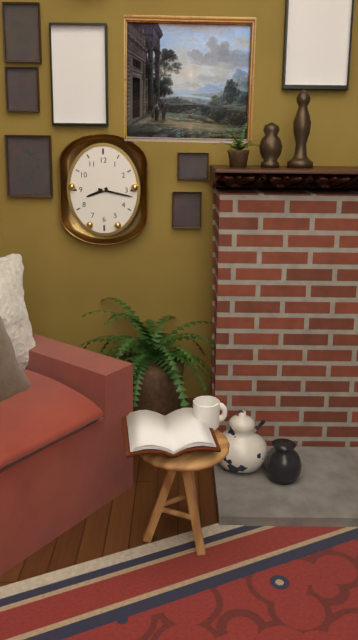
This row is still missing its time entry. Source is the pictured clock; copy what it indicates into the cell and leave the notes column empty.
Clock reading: 8:17
